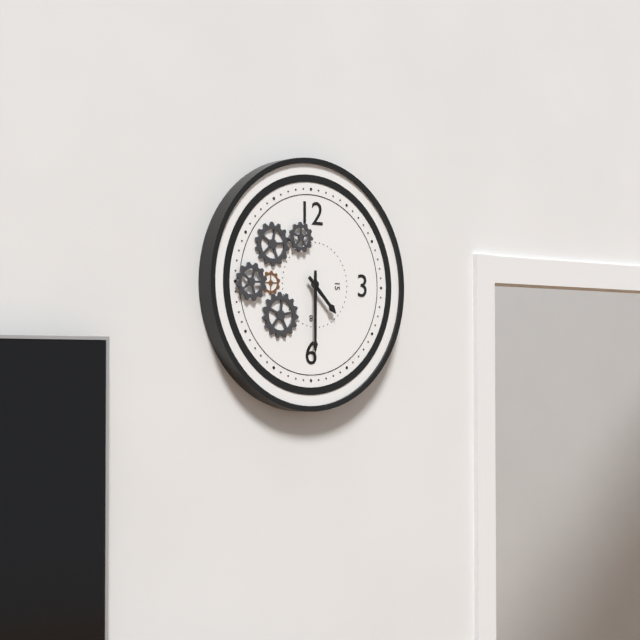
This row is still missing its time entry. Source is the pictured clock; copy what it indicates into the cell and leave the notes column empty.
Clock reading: 4:30
